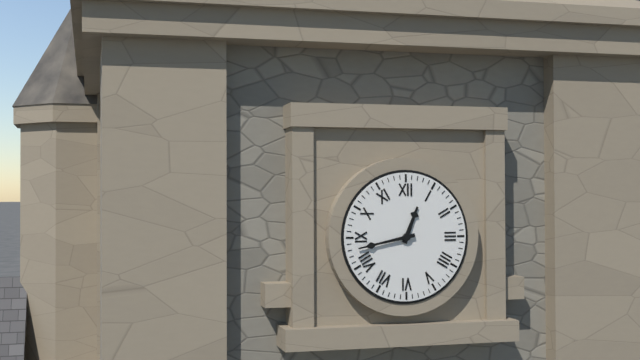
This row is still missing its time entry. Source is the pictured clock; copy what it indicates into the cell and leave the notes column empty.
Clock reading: 12:43
